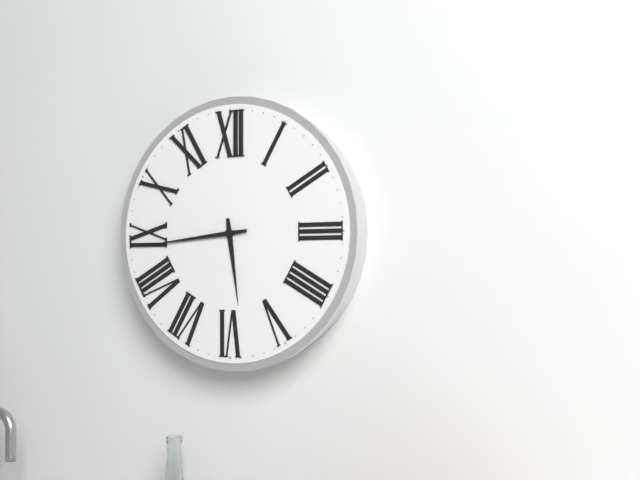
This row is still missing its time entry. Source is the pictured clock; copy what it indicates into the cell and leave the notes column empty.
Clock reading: 5:44
